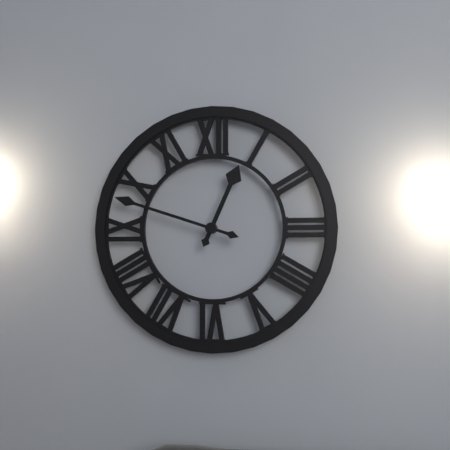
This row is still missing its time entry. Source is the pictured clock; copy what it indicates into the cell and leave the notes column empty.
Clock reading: 12:48
